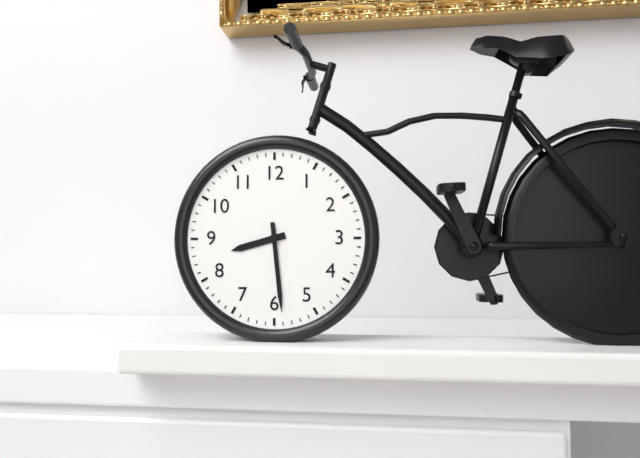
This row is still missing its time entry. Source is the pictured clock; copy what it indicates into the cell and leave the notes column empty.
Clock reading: 8:29
